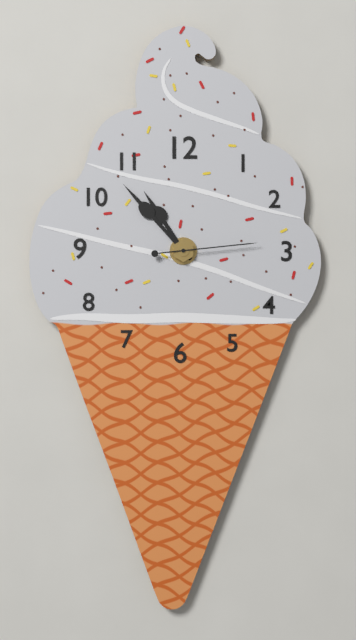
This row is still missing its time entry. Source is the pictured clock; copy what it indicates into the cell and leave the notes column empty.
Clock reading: 10:53:14
